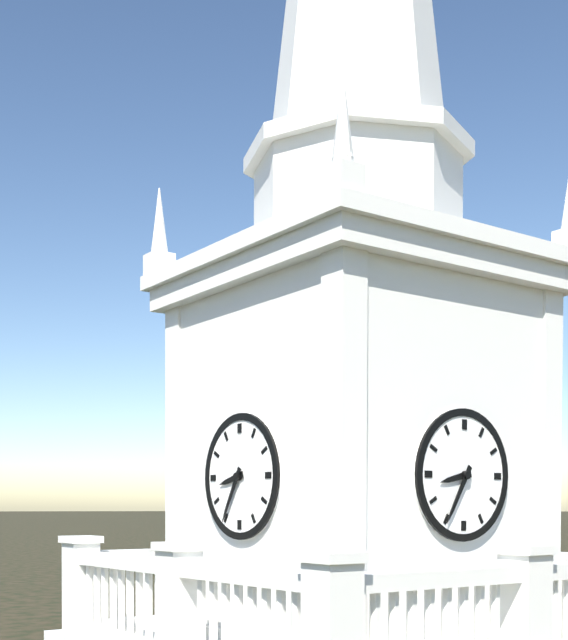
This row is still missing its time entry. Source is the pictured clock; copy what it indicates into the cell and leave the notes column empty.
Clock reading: 8:35
